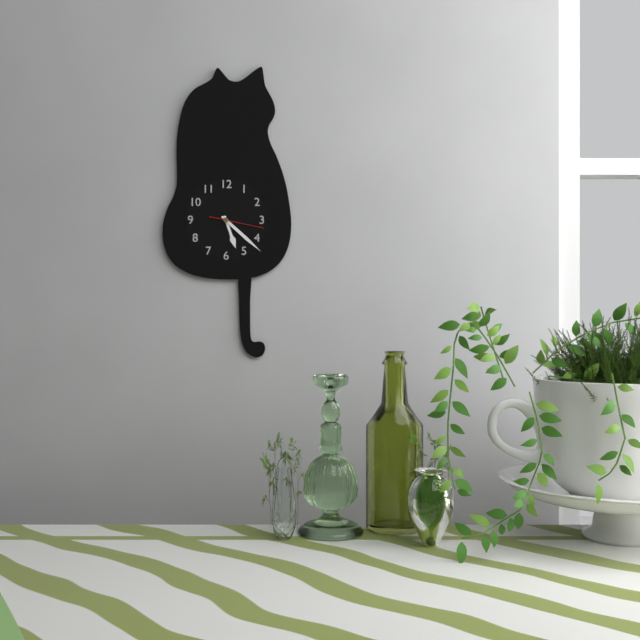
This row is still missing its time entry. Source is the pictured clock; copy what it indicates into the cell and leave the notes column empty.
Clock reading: 5:22
